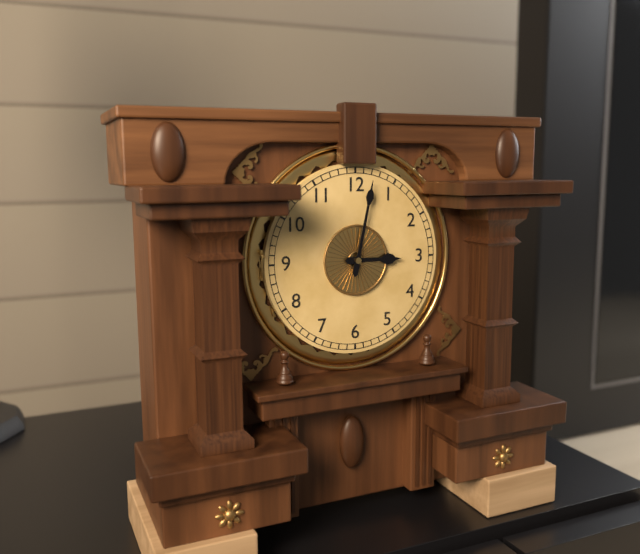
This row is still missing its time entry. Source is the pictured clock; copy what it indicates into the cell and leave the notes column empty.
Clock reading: 3:02
